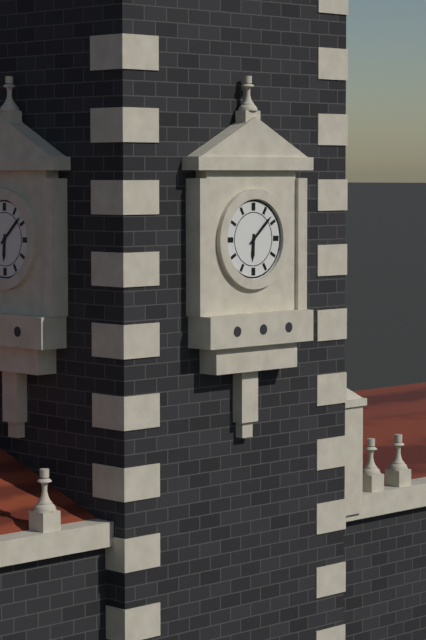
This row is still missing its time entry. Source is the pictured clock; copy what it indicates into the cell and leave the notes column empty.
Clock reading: 6:08
